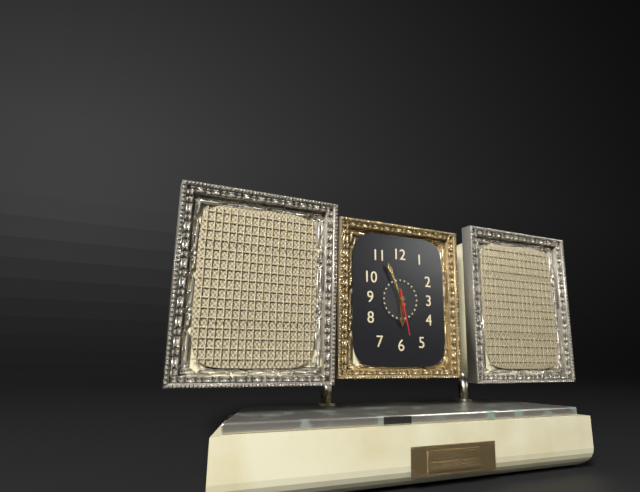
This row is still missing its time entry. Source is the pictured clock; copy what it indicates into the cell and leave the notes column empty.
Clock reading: 5:56
